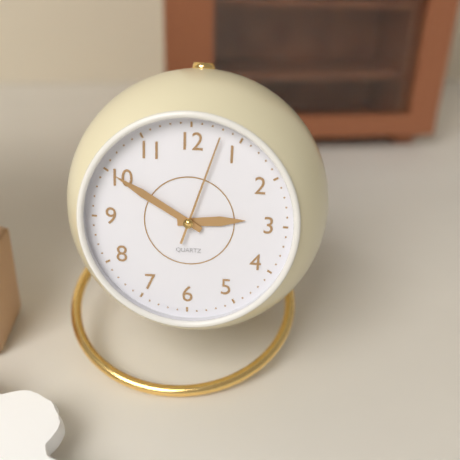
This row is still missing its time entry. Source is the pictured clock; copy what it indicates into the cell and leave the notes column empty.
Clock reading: 2:50:03
